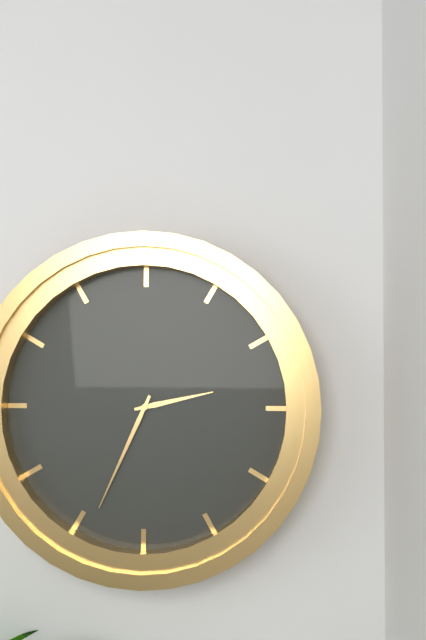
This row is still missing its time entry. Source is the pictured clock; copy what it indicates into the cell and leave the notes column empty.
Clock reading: 2:34
